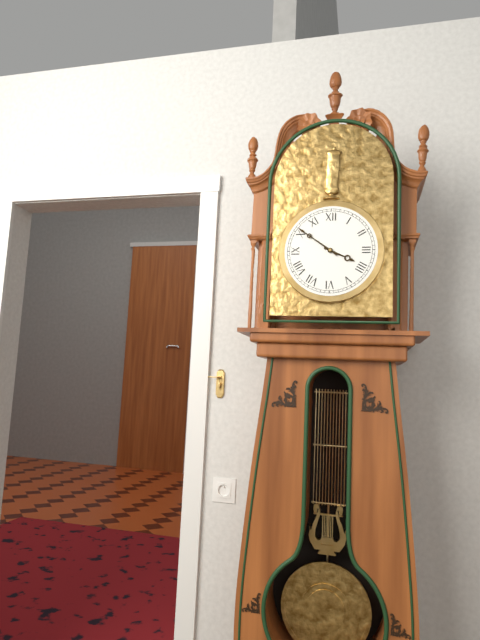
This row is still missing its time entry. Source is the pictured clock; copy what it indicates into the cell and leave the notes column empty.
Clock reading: 3:51
